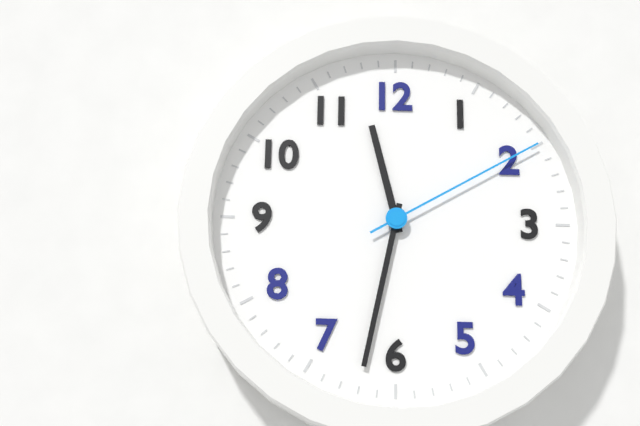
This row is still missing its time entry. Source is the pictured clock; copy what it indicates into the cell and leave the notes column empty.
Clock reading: 11:32:10
